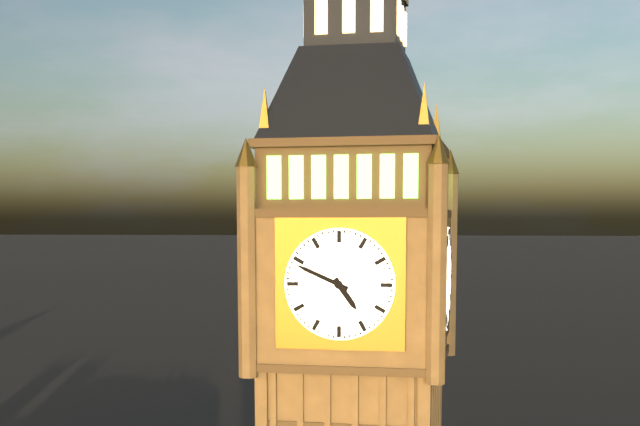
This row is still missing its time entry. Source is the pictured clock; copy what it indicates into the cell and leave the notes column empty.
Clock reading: 4:49
